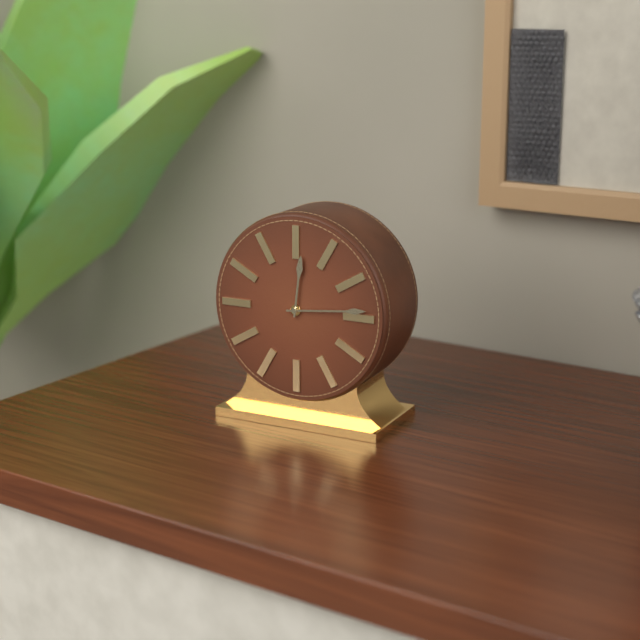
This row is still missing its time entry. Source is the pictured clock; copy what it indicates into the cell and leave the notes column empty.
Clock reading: 12:14
